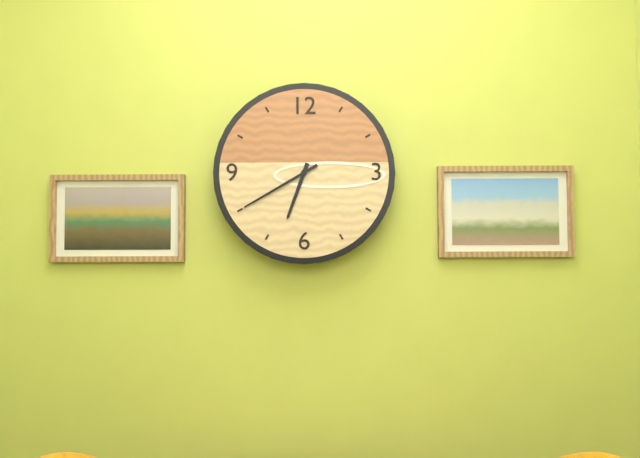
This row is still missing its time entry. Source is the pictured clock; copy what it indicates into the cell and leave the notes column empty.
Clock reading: 6:40
